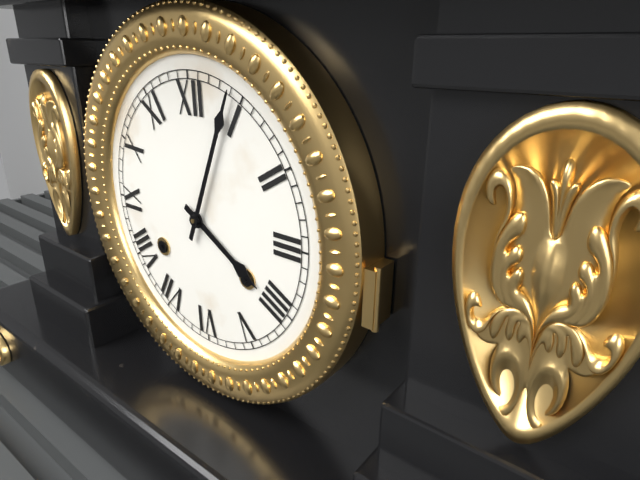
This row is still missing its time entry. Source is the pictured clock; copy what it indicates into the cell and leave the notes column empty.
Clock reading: 4:04
